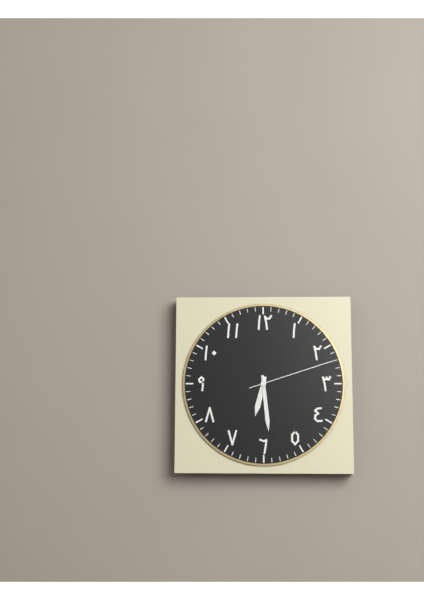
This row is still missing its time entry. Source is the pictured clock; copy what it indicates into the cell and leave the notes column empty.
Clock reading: 6:29:12
